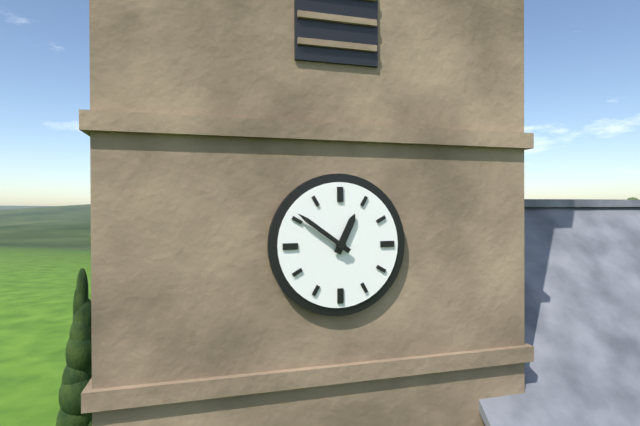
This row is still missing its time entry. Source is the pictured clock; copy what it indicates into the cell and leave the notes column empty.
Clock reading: 12:51
